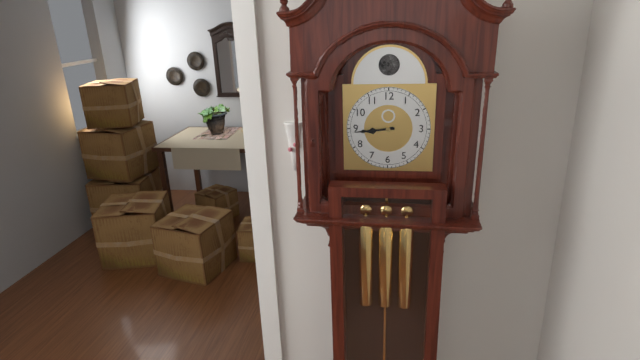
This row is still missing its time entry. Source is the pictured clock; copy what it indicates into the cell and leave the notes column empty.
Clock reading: 8:44
